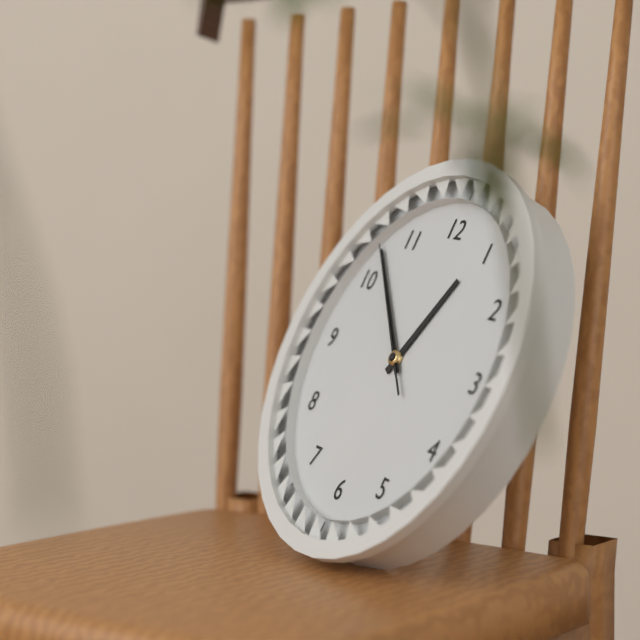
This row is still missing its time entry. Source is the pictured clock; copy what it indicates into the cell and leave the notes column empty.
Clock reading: 12:52:52
